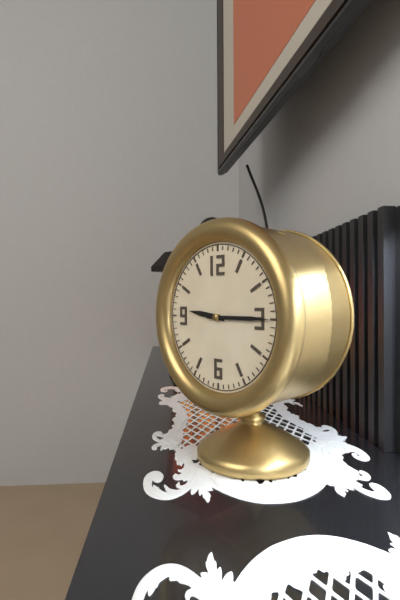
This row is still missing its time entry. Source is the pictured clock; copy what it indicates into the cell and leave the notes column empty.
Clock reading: 9:15
